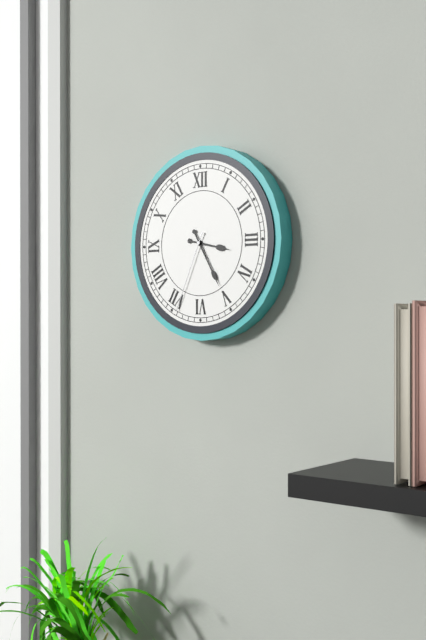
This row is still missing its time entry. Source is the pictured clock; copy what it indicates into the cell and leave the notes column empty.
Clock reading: 3:25:34
